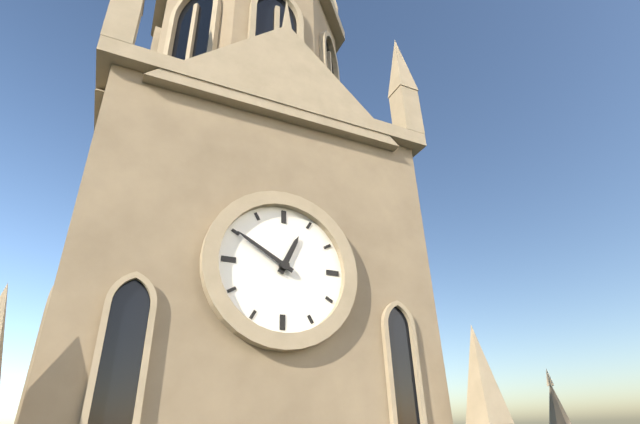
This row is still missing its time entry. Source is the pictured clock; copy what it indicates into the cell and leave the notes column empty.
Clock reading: 12:50
